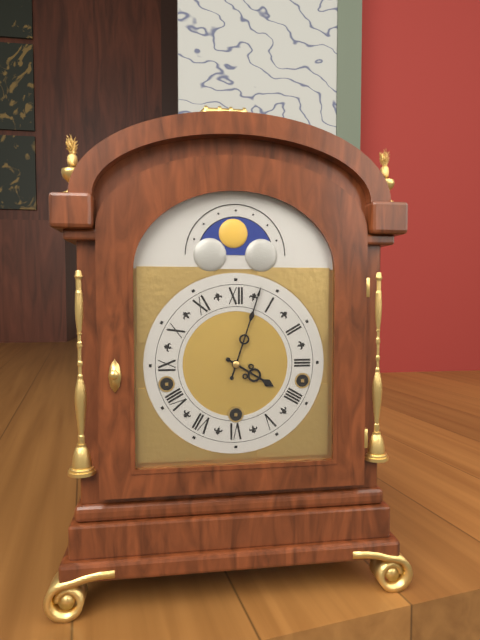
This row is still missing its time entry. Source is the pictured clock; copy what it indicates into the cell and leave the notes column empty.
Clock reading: 4:03
